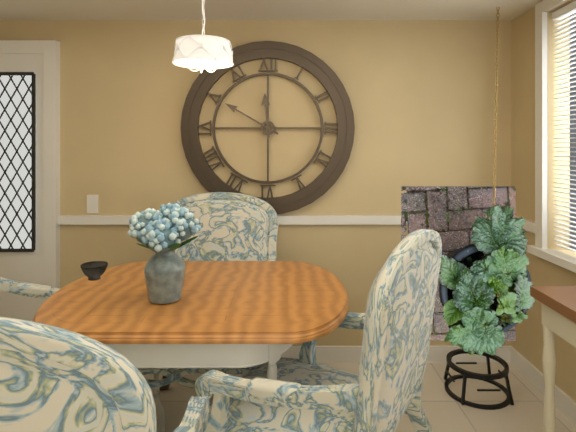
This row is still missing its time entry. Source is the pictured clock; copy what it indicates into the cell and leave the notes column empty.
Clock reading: 11:50
